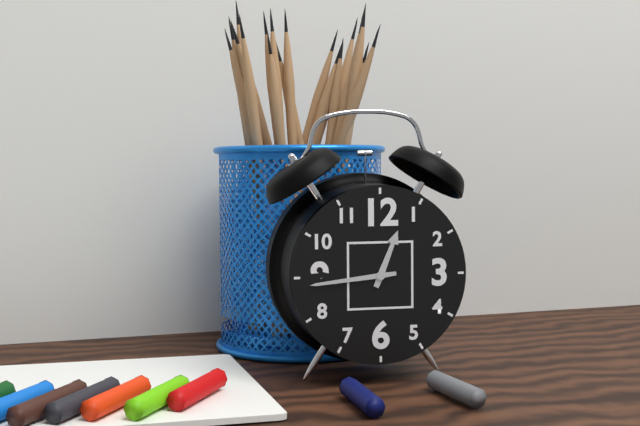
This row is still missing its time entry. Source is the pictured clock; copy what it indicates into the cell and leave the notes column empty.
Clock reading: 12:44
